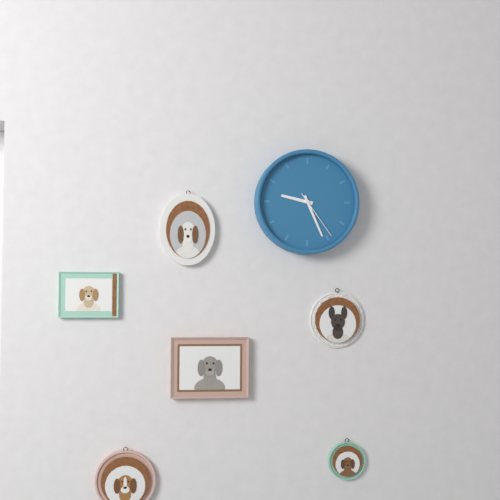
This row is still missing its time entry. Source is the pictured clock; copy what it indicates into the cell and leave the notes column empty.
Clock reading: 9:26:24
